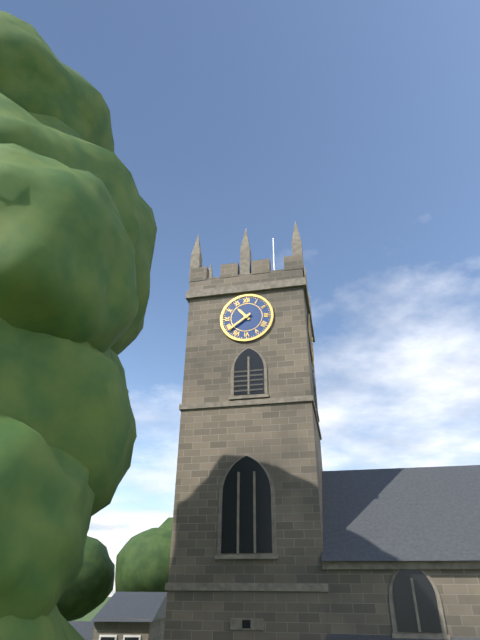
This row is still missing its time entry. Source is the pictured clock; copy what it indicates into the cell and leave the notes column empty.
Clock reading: 10:39
